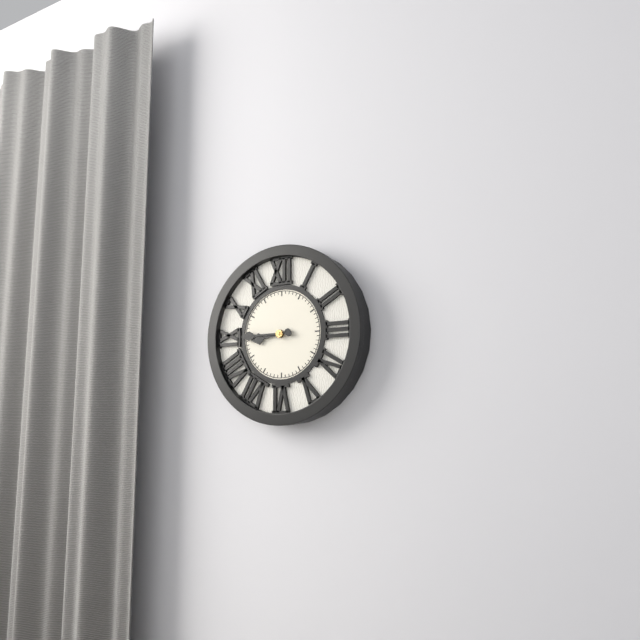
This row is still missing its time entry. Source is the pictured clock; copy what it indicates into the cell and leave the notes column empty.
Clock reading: 8:45
